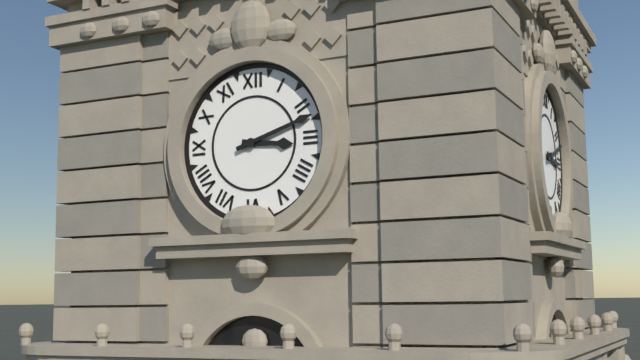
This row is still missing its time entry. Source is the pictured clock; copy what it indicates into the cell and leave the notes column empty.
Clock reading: 3:12
